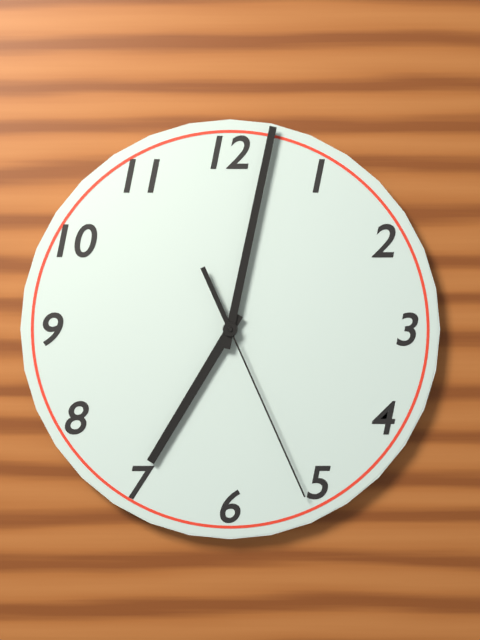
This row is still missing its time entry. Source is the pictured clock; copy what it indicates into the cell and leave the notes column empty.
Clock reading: 7:02:26
